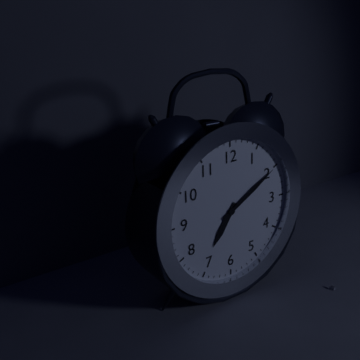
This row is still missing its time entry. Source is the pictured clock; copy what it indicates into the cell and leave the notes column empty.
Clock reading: 7:10
